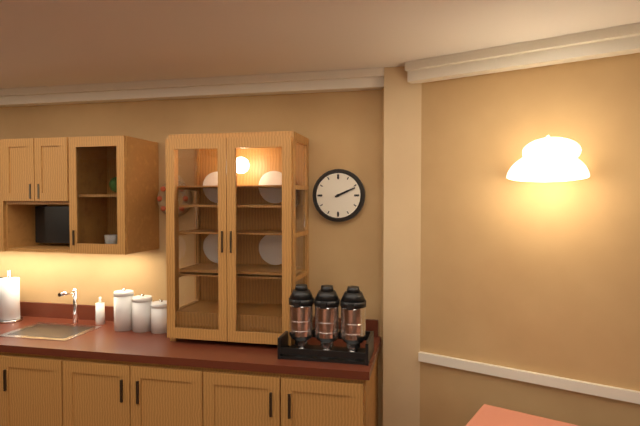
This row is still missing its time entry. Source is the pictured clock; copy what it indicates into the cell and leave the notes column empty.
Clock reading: 2:11
